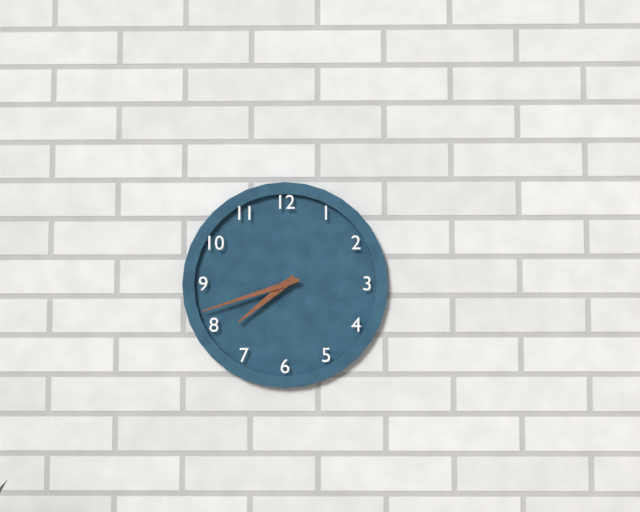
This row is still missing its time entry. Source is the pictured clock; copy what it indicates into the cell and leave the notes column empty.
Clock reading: 7:42
